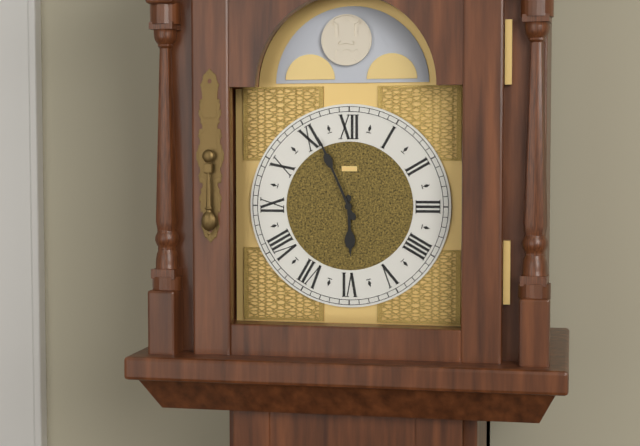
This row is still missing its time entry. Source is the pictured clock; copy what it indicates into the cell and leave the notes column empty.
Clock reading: 5:56
